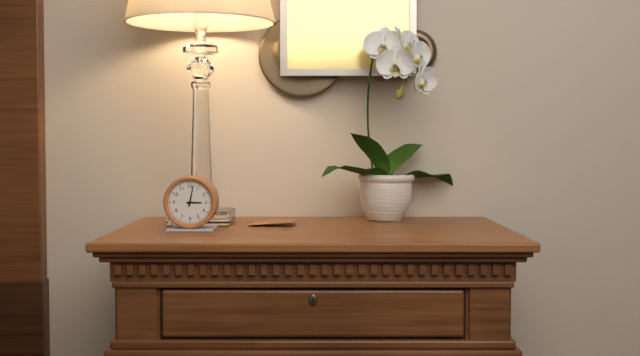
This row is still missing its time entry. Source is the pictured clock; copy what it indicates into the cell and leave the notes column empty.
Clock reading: 3:02
